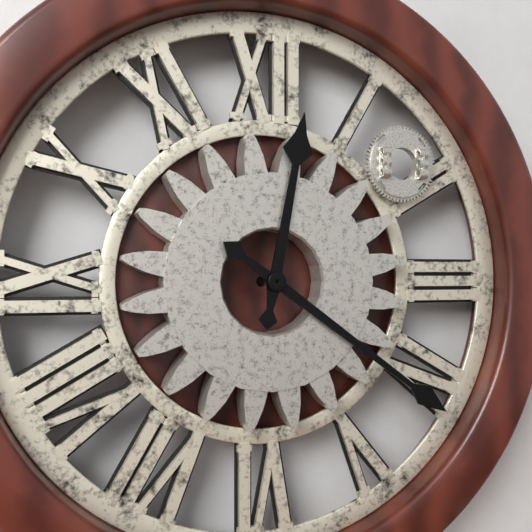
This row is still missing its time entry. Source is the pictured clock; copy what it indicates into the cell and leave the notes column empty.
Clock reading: 12:21
